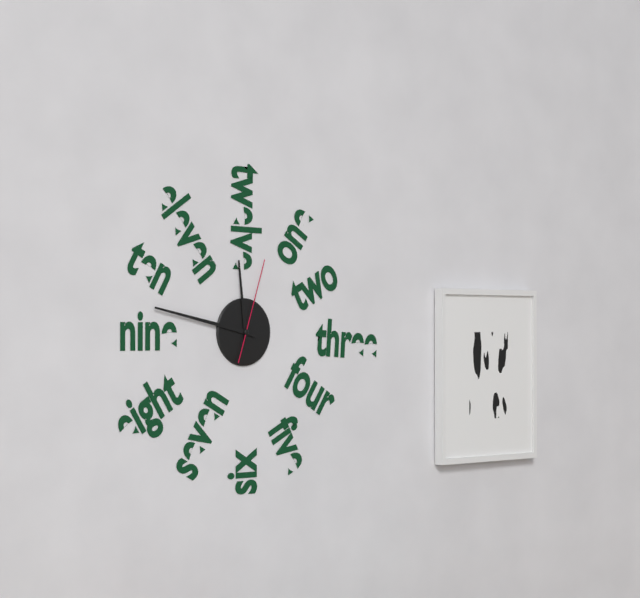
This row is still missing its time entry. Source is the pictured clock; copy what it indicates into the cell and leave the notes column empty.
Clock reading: 11:47:03
